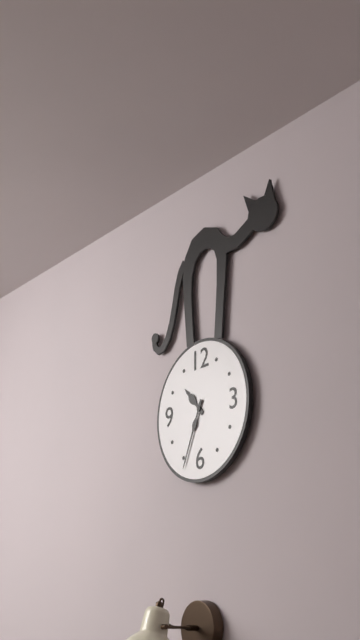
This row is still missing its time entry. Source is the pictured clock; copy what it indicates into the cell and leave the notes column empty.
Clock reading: 10:34
